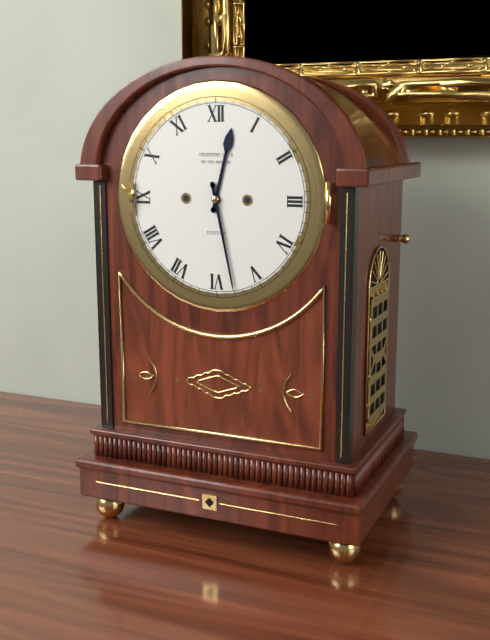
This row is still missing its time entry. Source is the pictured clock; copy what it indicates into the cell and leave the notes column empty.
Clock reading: 12:28
